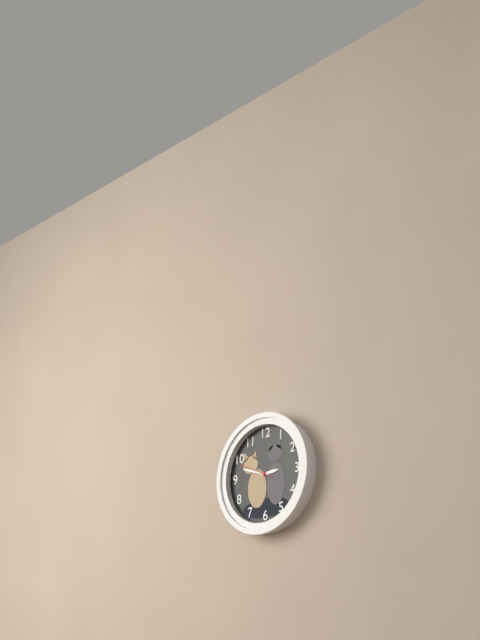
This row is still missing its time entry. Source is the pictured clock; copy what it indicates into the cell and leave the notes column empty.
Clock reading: 2:48
